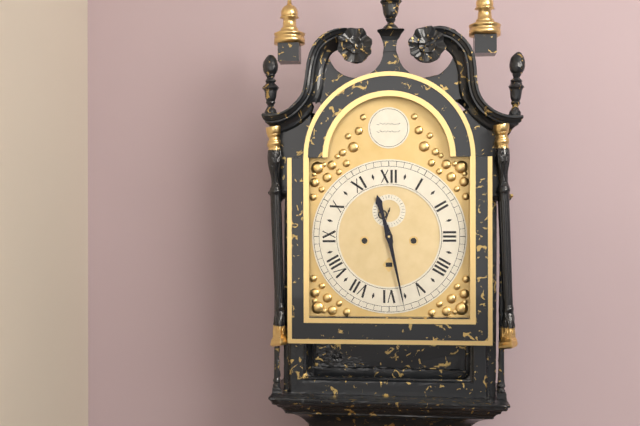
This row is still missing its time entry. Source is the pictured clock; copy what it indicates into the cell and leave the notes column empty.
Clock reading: 11:28
